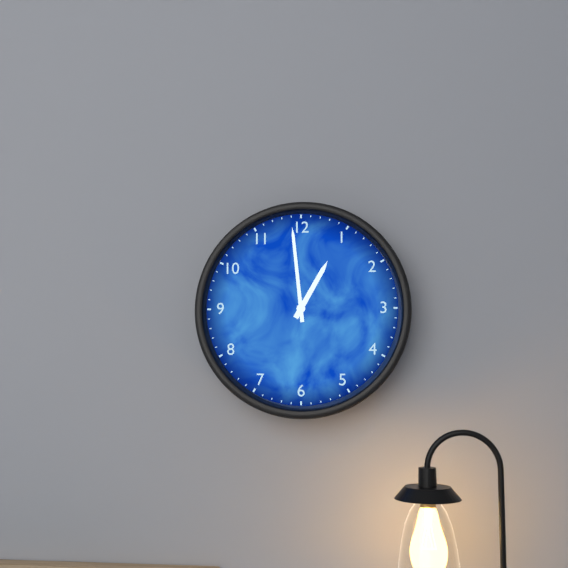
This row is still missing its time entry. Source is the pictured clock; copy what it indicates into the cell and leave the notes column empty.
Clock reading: 12:59
